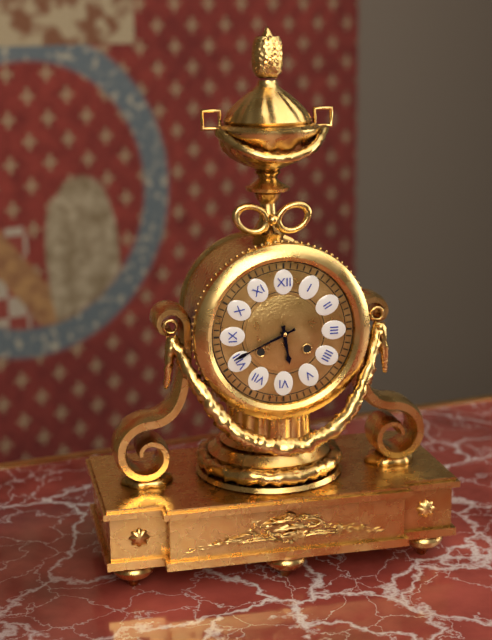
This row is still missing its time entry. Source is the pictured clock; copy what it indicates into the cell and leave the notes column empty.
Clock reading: 5:41
